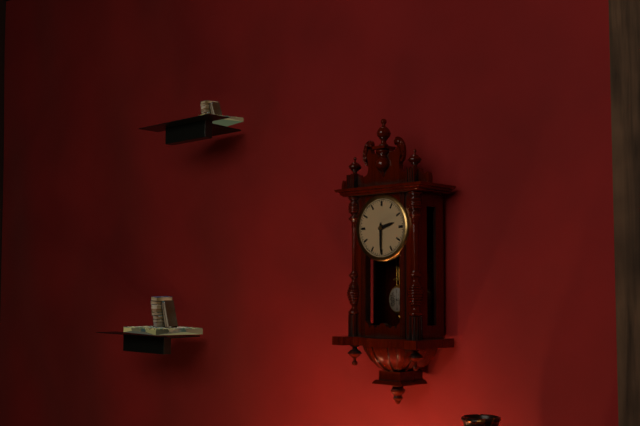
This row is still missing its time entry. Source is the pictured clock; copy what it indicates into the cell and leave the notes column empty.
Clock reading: 2:30
